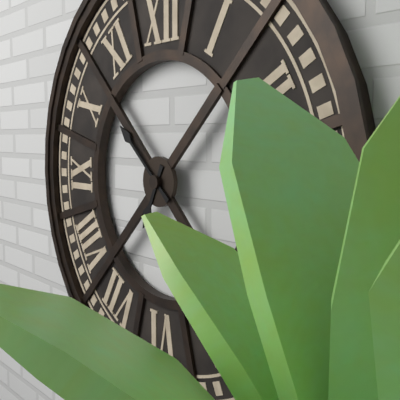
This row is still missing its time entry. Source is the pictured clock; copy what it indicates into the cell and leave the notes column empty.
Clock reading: 6:52
